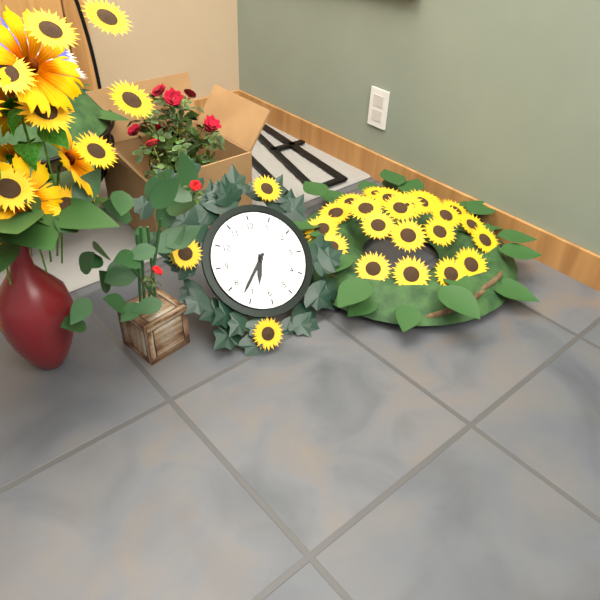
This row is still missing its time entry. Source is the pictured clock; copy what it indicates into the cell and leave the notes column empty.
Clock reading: 6:37
